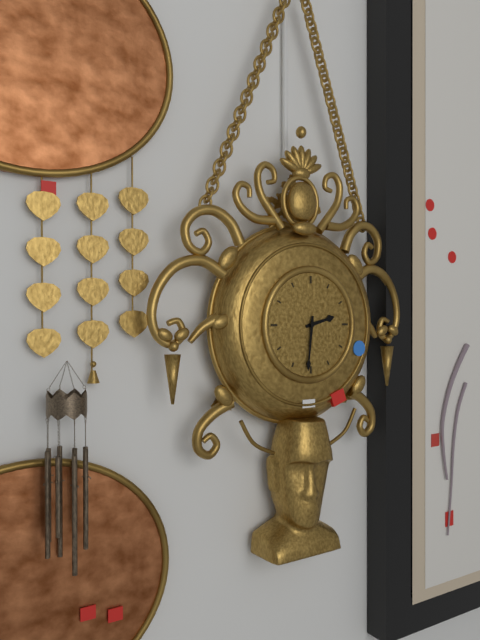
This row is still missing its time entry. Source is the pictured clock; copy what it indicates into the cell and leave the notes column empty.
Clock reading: 2:31
